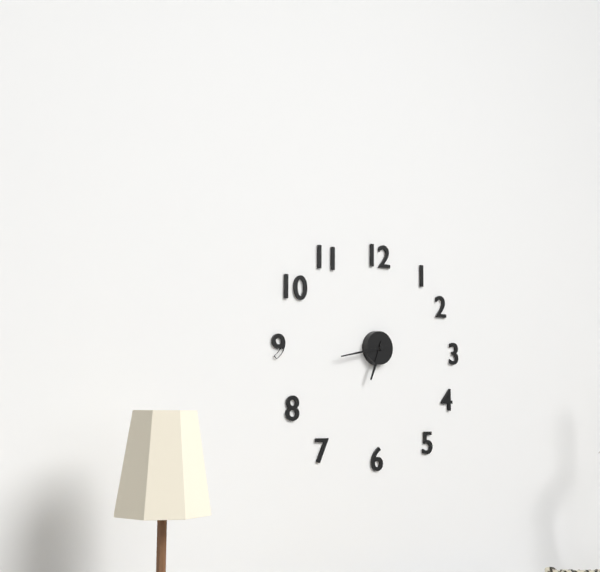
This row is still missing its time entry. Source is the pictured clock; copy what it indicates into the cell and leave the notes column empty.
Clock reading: 6:43
